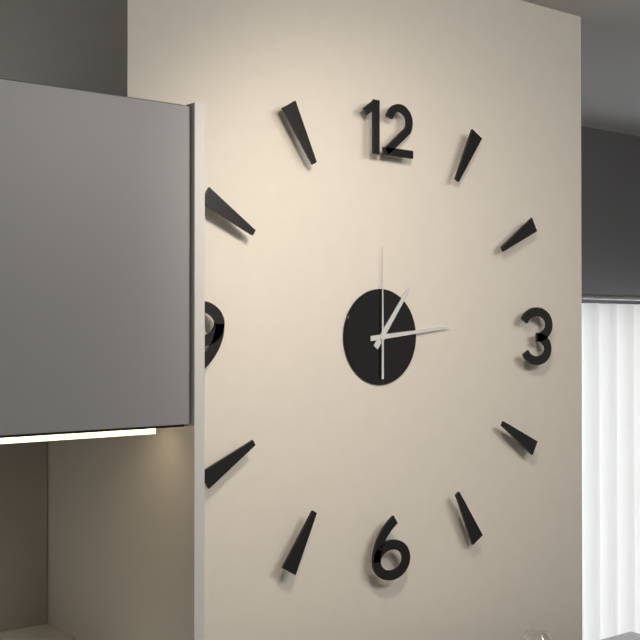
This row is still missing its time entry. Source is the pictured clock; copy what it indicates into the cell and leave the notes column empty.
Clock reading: 1:14:00
